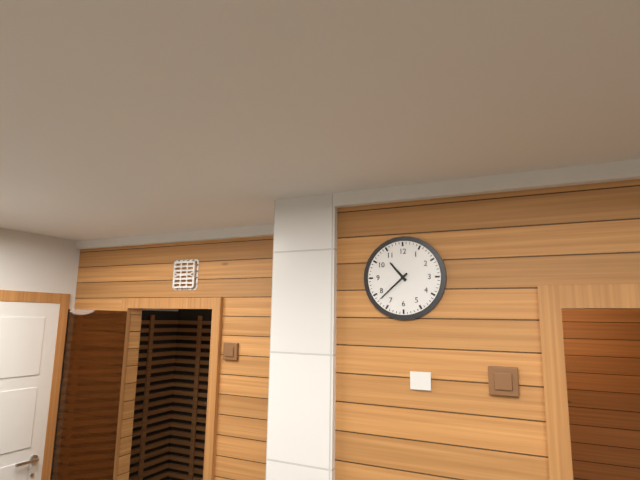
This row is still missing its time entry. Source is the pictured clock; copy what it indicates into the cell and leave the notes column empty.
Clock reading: 10:38
